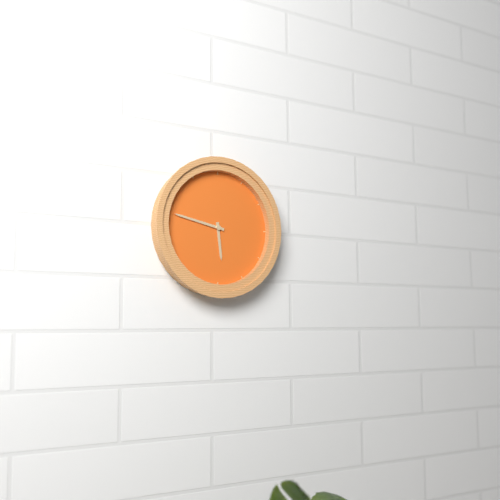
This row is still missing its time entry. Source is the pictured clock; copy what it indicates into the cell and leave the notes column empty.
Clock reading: 5:47
